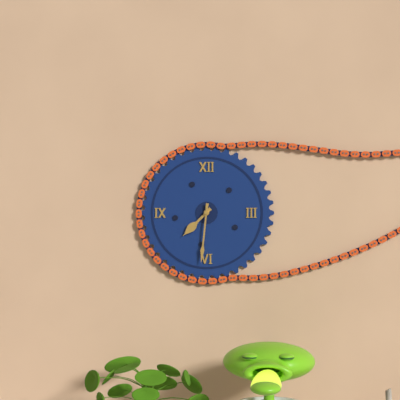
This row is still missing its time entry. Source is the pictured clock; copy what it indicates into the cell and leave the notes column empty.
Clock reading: 7:31
